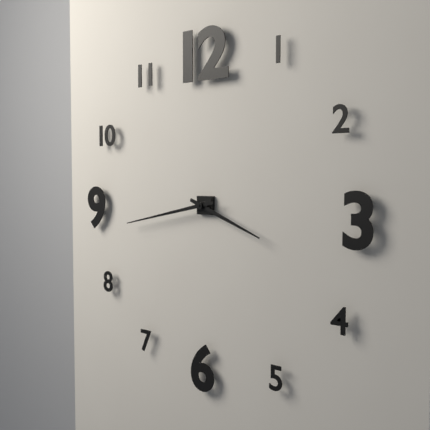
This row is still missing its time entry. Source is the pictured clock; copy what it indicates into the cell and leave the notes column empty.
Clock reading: 3:43
